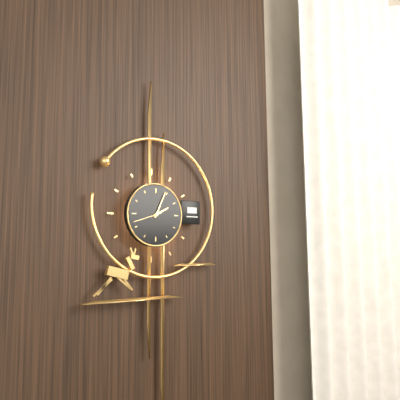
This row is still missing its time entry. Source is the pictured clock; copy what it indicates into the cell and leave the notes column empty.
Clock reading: 2:04
